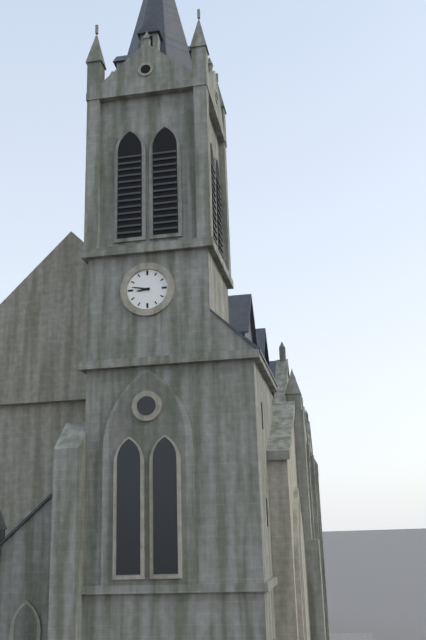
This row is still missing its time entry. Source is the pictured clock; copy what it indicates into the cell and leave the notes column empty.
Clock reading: 8:47
